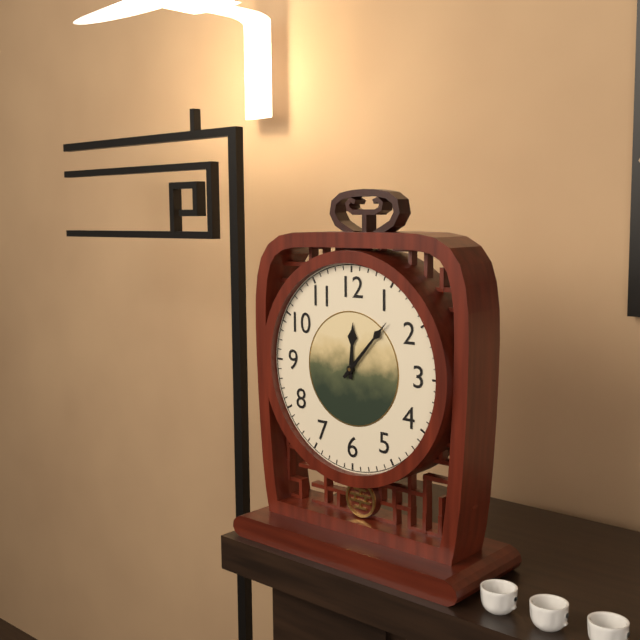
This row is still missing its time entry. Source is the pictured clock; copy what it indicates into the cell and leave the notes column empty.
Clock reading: 12:07
